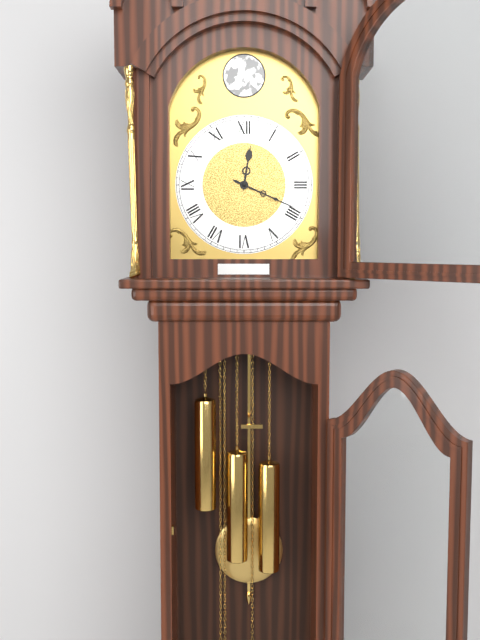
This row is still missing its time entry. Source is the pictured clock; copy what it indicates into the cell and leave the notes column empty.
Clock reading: 12:19
